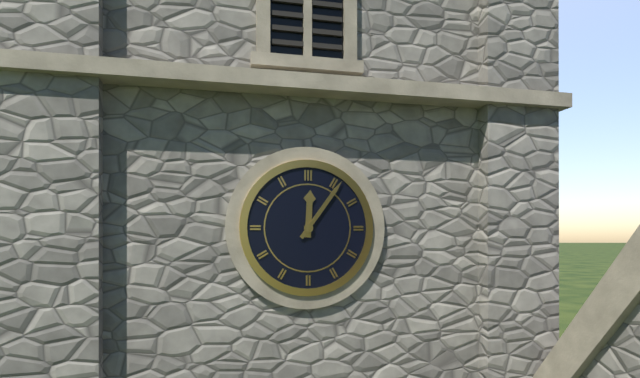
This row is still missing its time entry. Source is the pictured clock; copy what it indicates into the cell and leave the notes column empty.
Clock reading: 12:06
